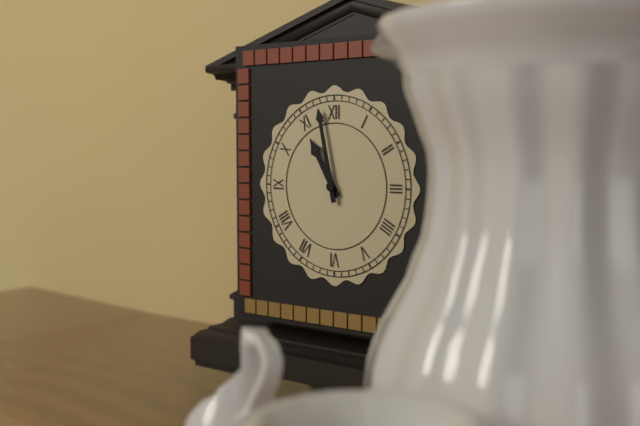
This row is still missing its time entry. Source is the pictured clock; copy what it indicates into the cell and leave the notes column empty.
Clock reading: 10:58
